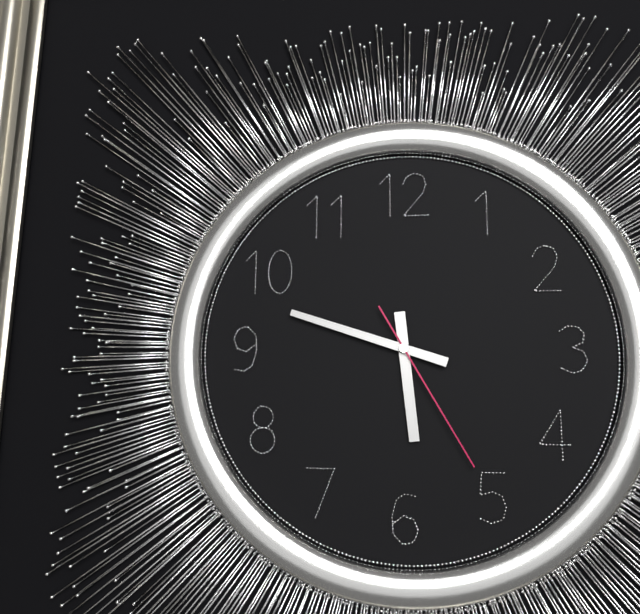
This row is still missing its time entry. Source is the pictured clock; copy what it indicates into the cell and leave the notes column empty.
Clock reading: 5:48:25
